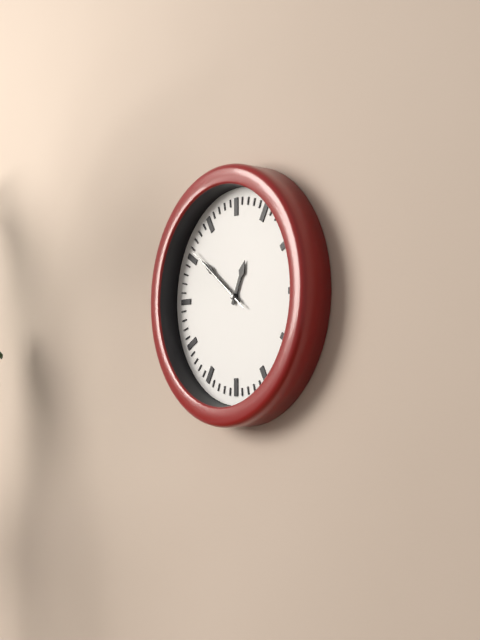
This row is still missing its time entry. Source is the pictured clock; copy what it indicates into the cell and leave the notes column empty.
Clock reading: 12:51:51
